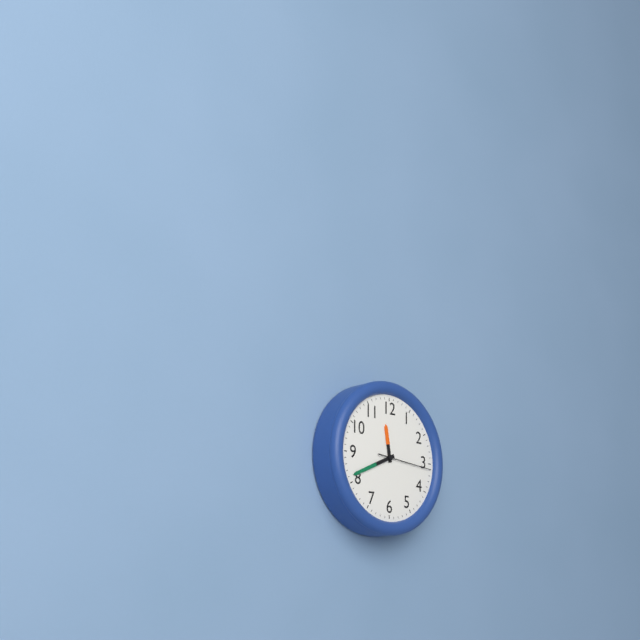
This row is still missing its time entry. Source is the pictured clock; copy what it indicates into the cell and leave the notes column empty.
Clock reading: 11:41:16
